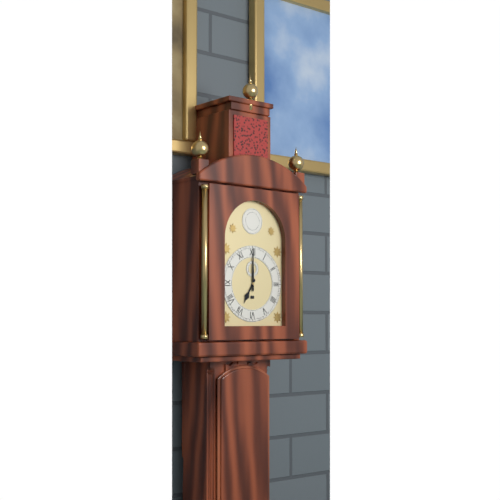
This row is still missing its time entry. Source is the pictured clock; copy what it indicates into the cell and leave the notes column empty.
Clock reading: 7:00
